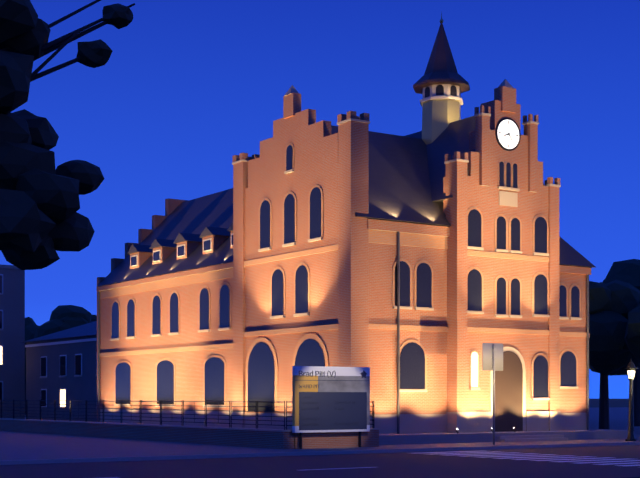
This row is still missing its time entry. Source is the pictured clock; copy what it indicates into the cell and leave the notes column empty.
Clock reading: 8:24
